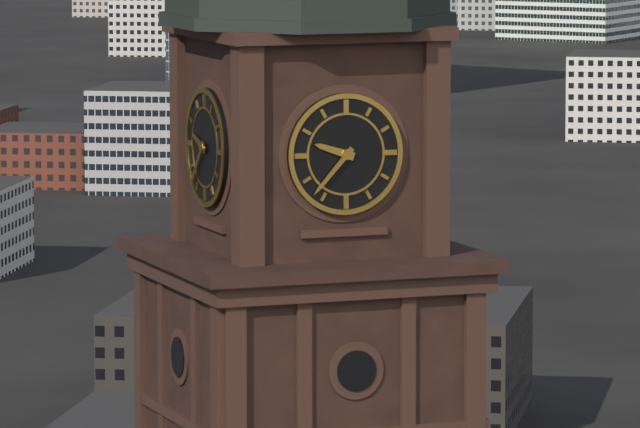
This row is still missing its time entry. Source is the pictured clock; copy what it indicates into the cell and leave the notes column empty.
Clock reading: 9:37
